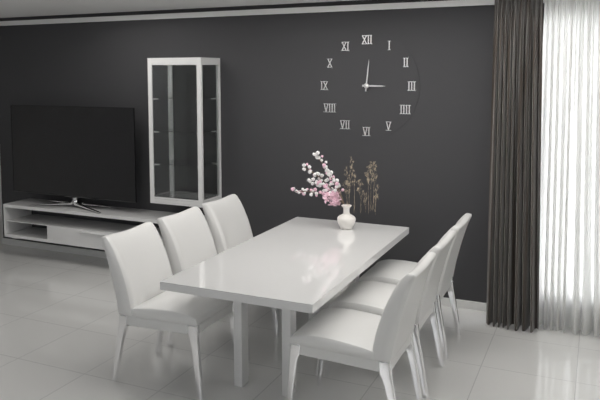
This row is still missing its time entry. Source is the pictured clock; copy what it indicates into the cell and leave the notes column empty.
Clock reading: 3:01
